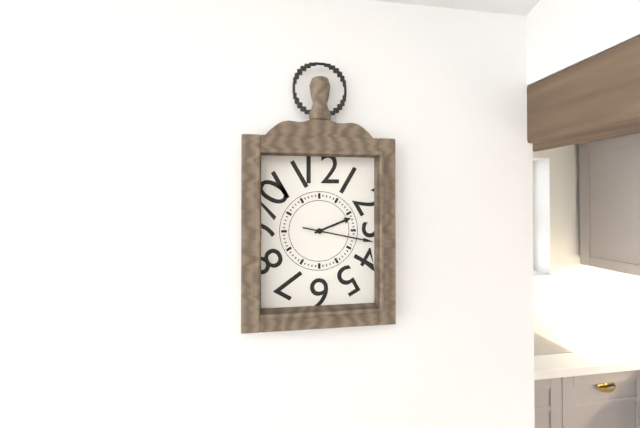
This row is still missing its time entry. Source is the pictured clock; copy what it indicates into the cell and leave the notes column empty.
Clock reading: 2:17
